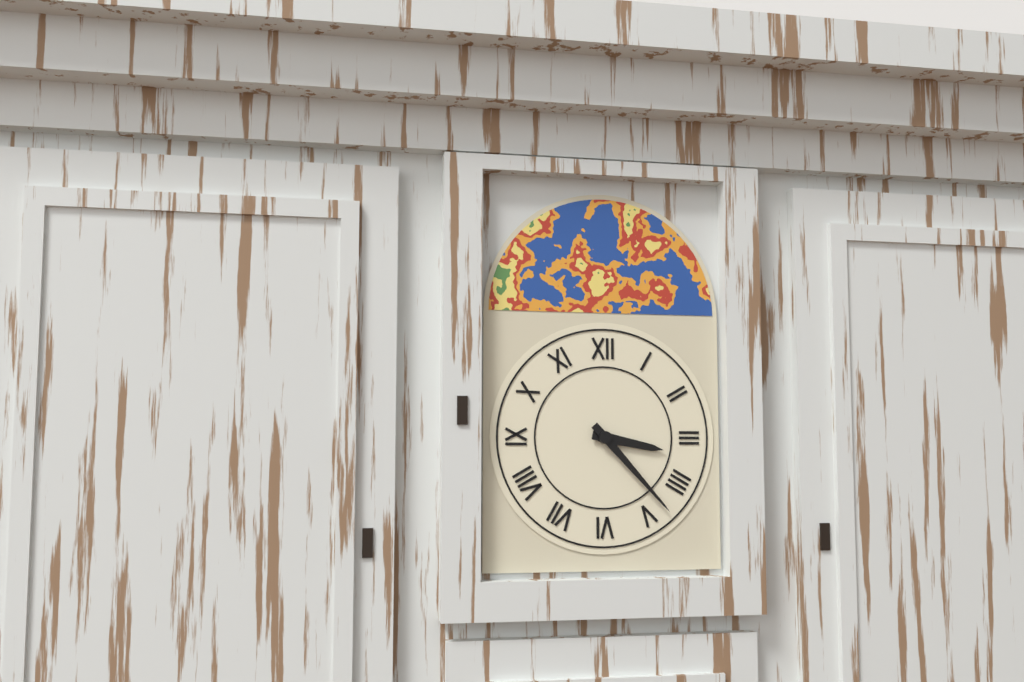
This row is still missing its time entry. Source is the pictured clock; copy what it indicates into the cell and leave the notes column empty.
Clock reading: 3:23
